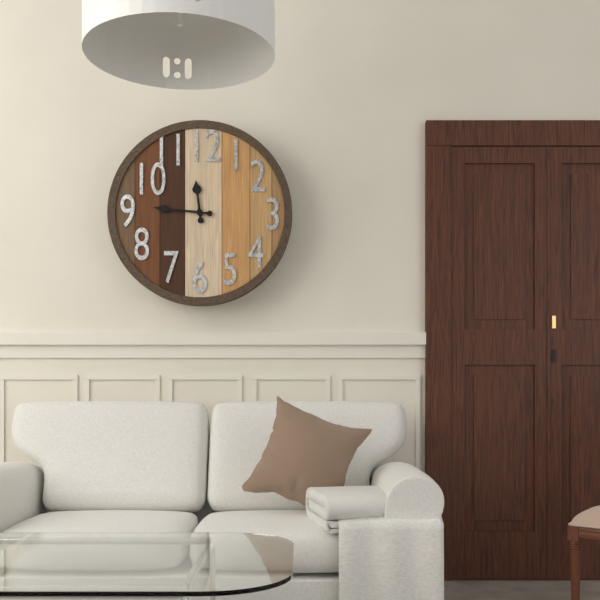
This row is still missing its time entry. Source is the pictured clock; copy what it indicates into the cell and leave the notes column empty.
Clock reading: 11:46
